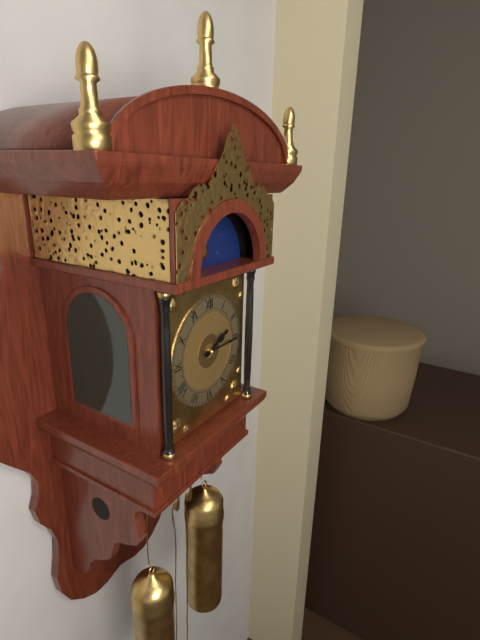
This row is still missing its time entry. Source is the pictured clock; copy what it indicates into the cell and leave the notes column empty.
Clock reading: 2:15
